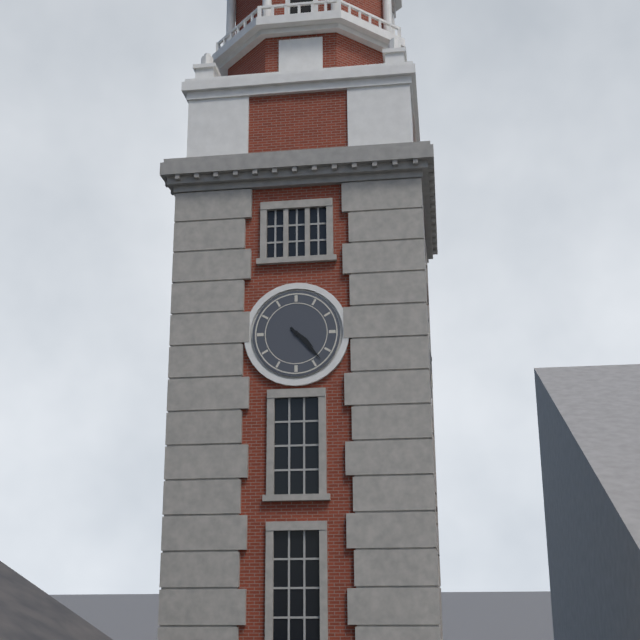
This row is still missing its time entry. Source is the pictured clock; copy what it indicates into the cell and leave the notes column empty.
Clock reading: 4:23
